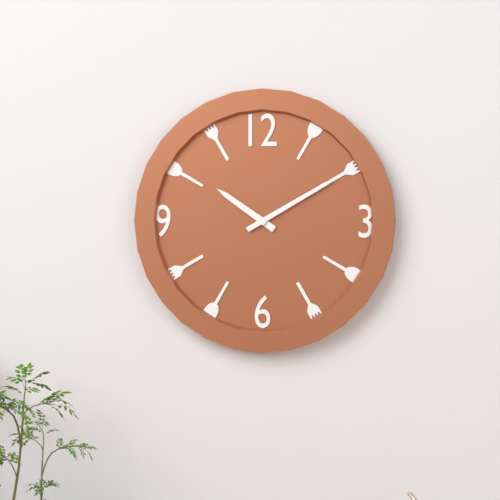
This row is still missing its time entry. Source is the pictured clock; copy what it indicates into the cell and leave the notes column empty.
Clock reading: 10:10
